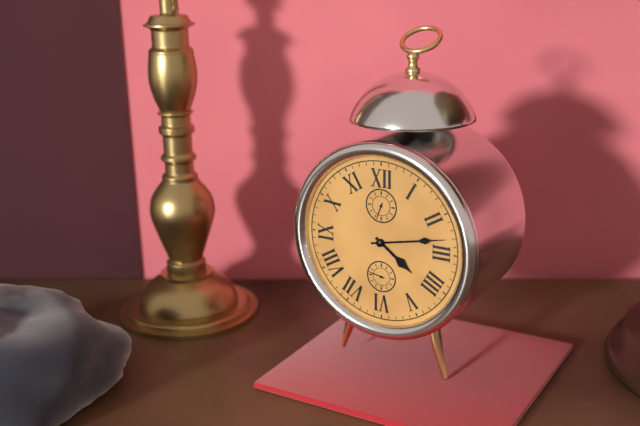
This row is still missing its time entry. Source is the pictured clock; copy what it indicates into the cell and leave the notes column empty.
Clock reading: 4:13
